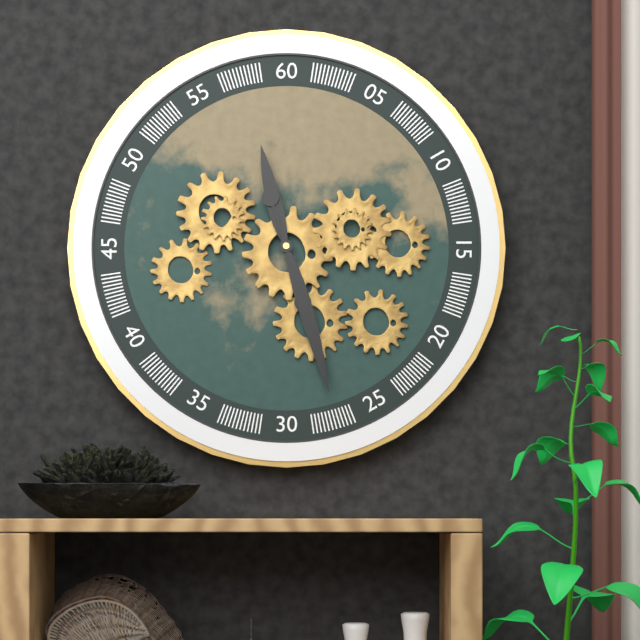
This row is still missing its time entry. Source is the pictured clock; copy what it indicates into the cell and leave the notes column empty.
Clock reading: 11:27
